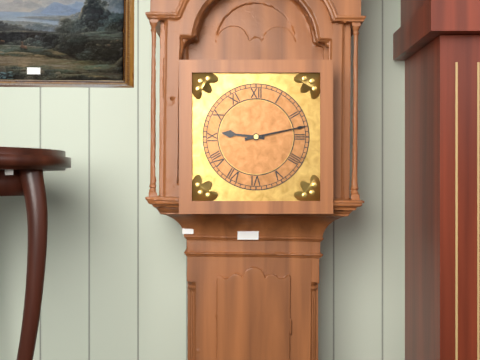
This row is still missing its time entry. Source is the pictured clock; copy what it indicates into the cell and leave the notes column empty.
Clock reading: 9:13
